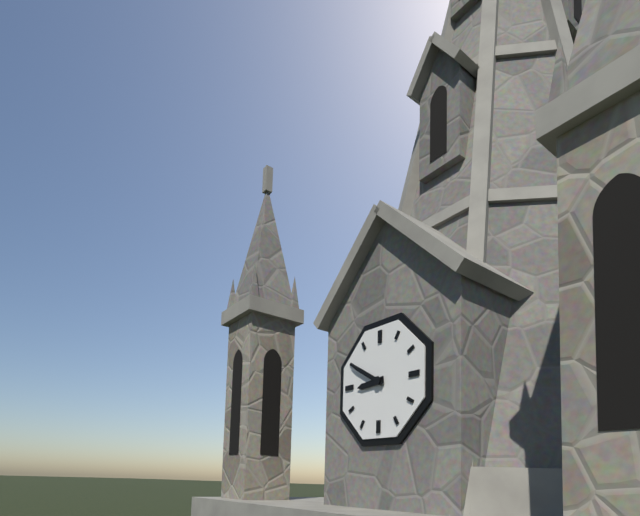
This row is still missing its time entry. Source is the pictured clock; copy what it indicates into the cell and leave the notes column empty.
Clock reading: 8:50
